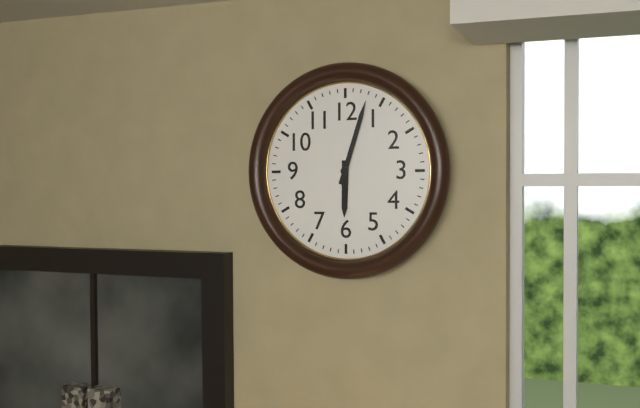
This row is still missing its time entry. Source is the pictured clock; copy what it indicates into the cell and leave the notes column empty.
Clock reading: 6:03
